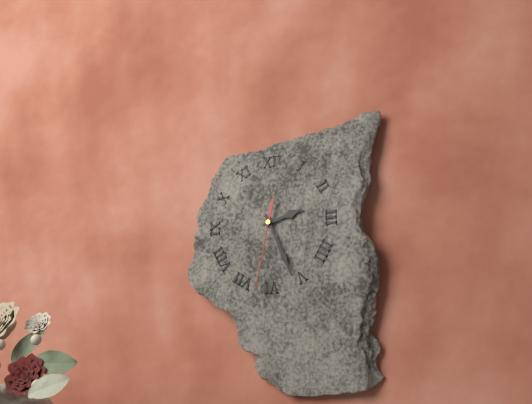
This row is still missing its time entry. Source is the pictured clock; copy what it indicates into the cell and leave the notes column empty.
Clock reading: 2:26:32
